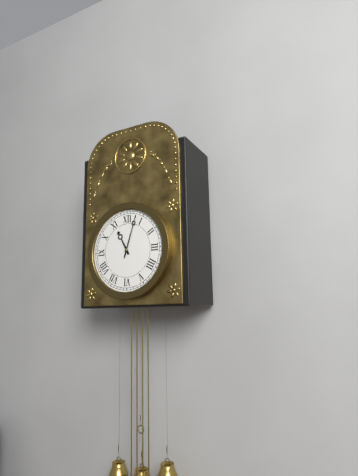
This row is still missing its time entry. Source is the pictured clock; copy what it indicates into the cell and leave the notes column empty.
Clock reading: 11:03
